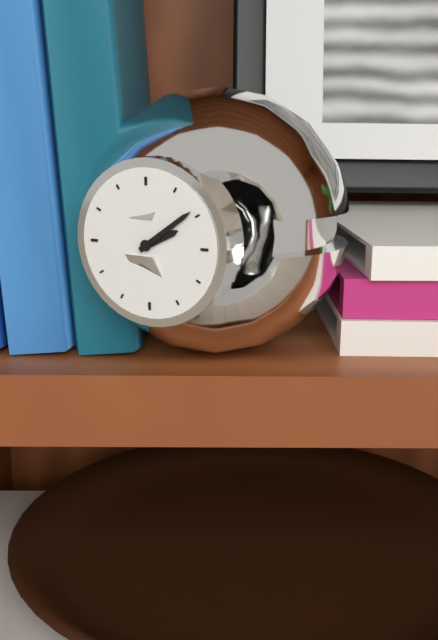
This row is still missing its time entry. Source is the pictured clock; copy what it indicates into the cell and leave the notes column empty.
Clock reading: 2:09
